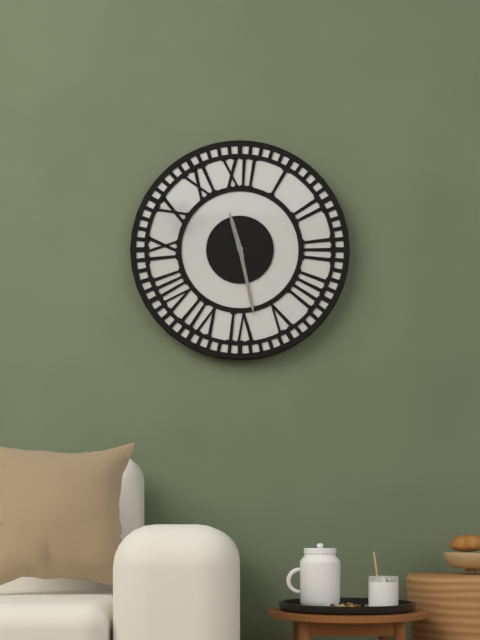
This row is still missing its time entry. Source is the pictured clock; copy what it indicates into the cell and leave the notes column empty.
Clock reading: 11:28
